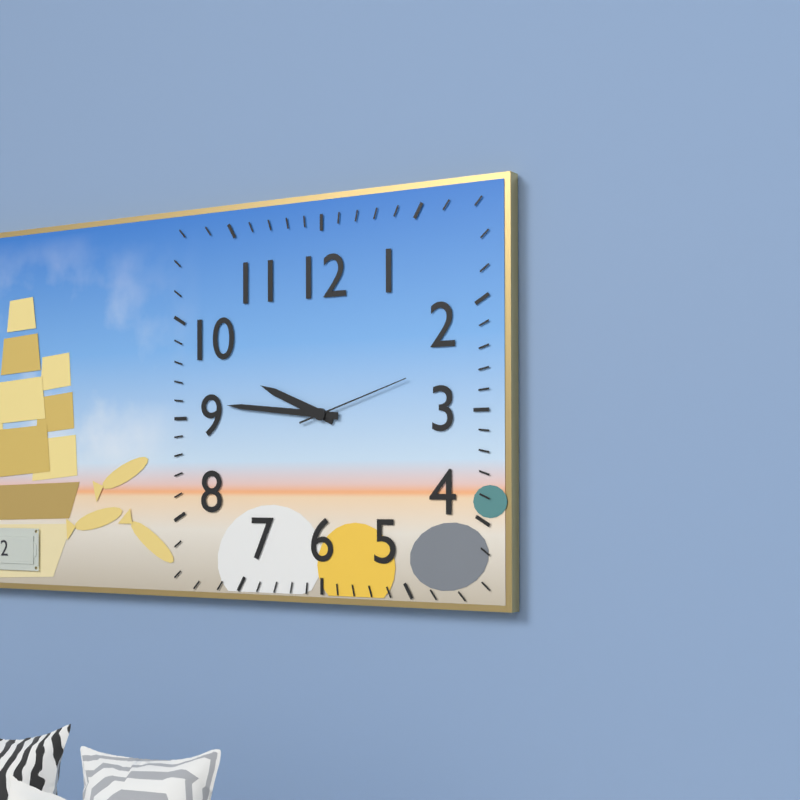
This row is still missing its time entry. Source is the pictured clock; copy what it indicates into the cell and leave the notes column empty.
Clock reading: 9:46:12
